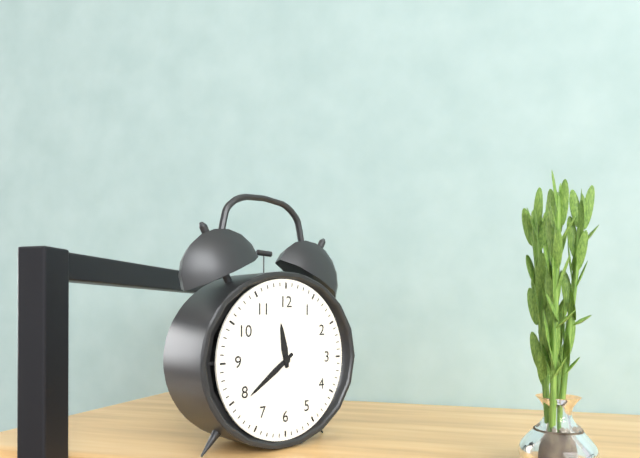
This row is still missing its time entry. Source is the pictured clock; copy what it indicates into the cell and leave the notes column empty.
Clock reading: 11:39
